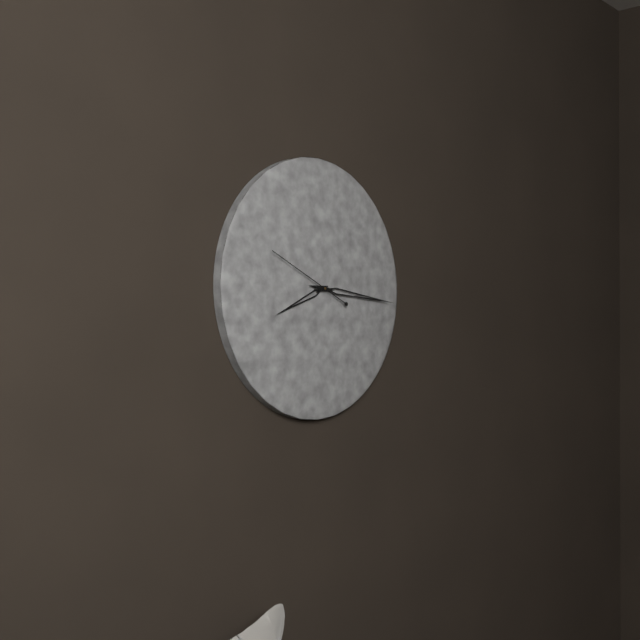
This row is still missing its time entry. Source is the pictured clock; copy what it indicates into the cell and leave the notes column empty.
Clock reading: 8:16:49
